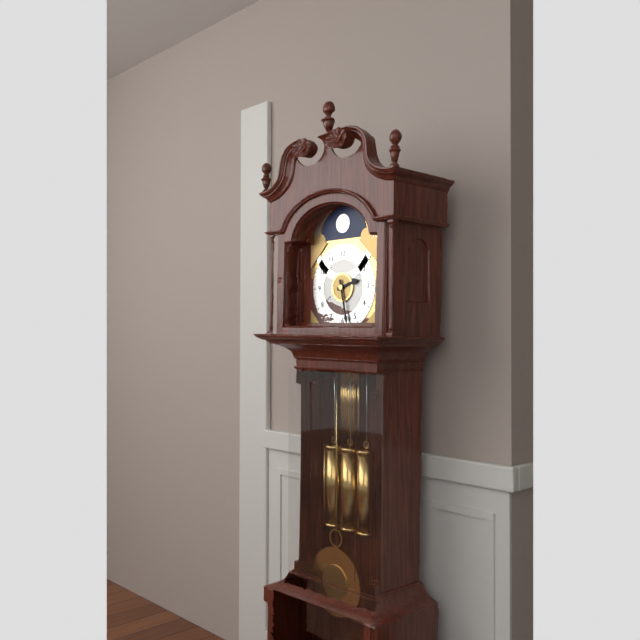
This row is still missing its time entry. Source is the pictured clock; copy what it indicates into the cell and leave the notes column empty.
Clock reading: 2:28
